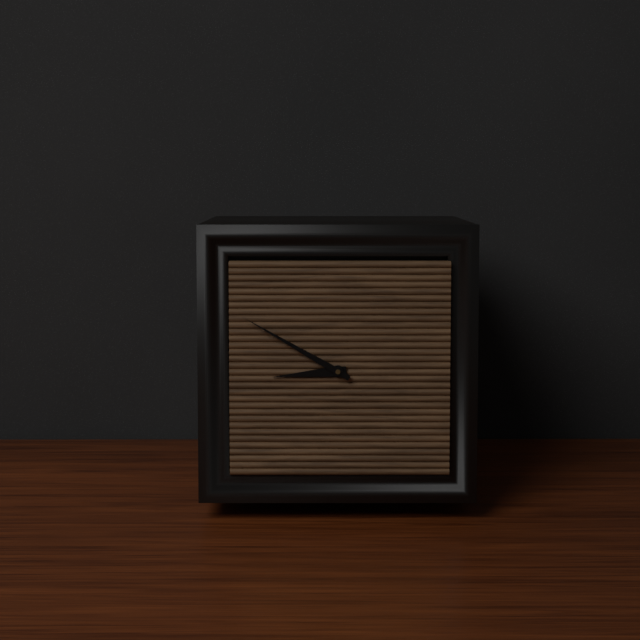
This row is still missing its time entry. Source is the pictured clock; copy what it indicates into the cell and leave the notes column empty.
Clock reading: 8:50
